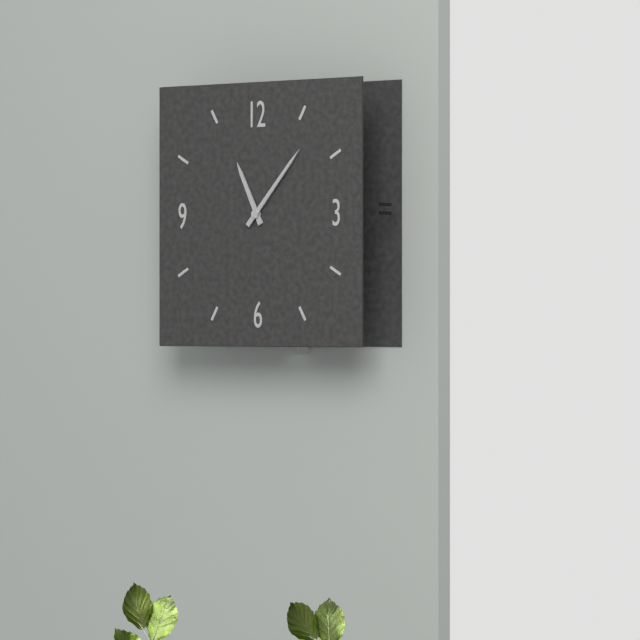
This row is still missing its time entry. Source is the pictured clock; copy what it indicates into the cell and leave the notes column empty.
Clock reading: 11:07
